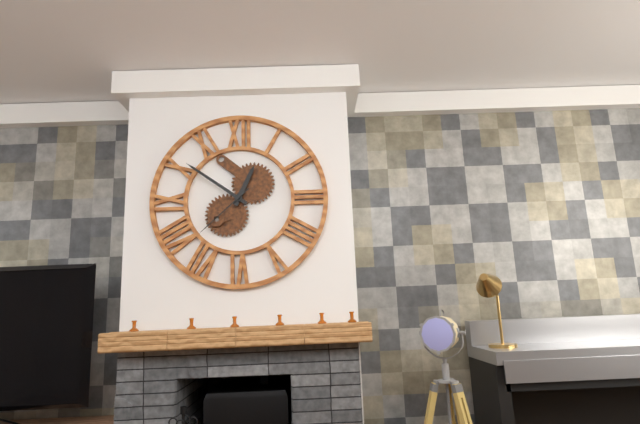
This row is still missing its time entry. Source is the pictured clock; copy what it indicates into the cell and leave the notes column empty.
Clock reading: 12:51:38
